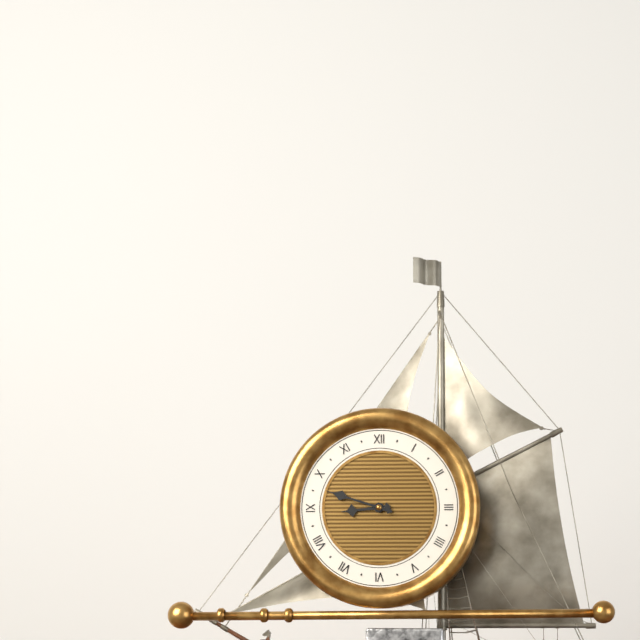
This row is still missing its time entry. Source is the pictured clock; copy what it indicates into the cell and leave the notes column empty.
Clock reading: 8:48
